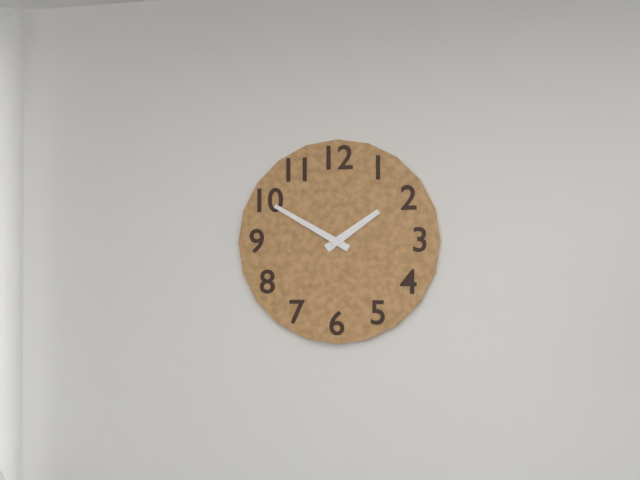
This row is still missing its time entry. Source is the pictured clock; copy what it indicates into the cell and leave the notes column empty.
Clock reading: 1:50
